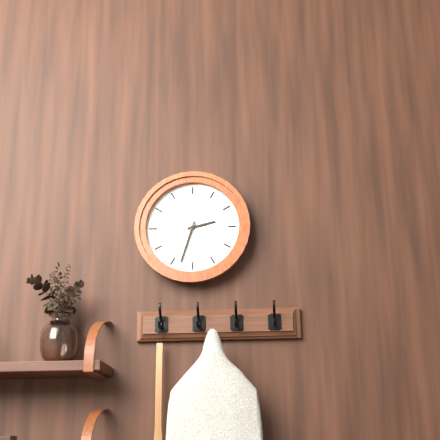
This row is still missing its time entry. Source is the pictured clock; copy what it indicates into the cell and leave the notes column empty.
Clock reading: 2:33:06
